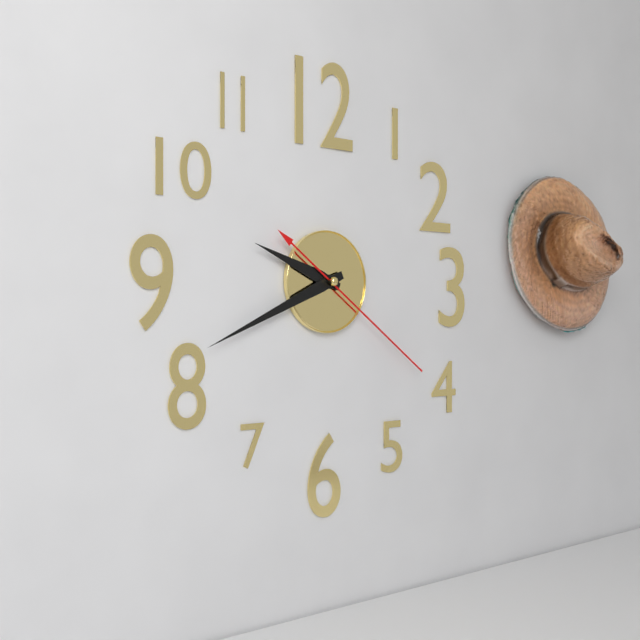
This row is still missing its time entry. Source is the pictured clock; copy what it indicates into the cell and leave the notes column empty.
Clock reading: 9:41:21
